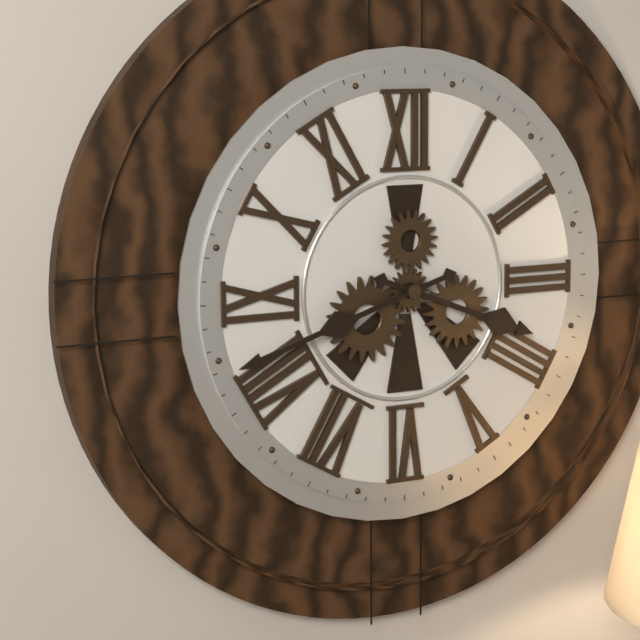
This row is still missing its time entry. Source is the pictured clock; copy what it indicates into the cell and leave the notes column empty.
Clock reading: 3:42
